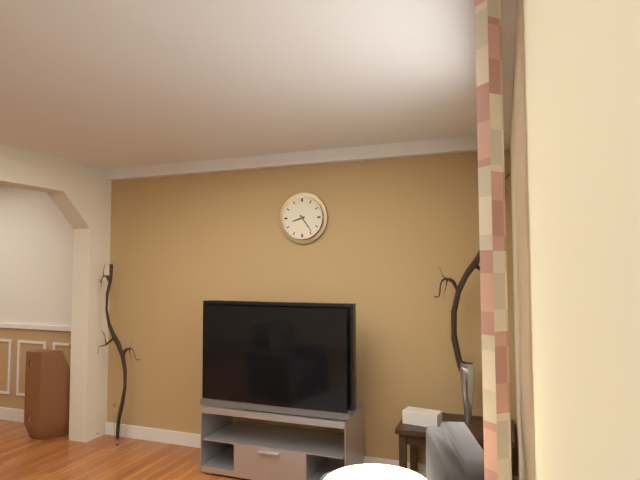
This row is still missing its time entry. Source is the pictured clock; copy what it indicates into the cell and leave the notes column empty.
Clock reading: 8:24
